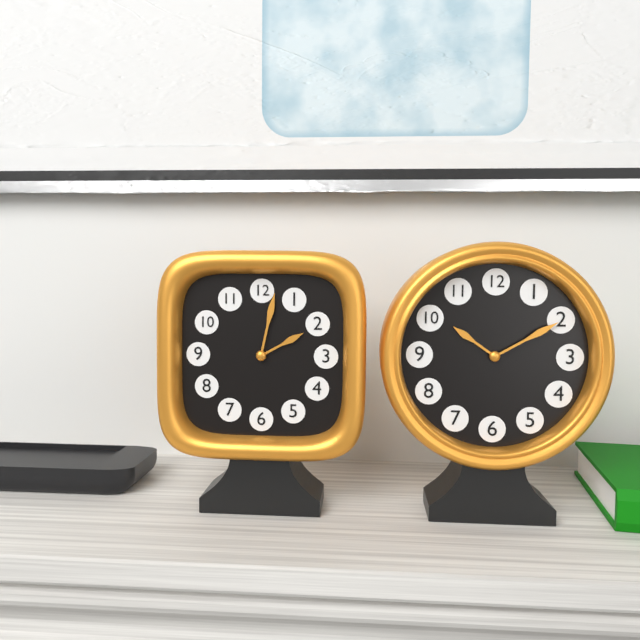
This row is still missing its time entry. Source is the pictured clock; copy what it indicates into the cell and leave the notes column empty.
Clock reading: 2:02
